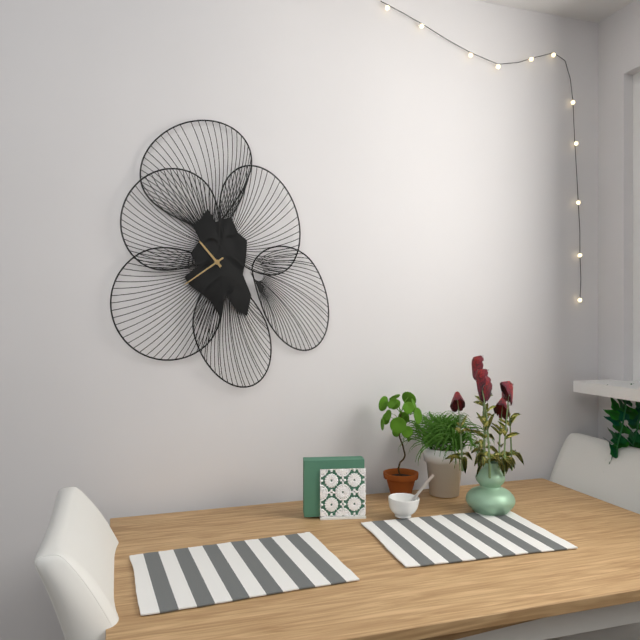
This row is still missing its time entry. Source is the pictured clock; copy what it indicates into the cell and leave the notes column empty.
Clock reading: 10:39
